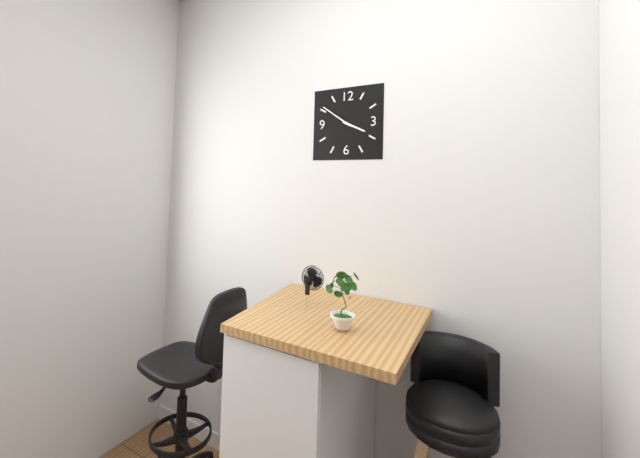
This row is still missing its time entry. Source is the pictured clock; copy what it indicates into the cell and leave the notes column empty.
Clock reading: 3:51
